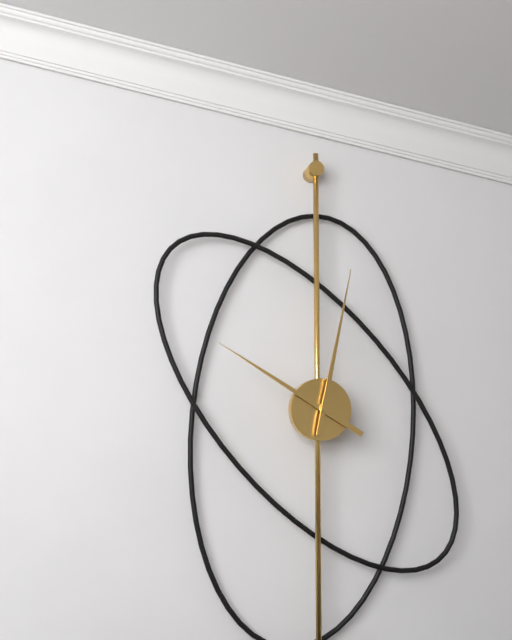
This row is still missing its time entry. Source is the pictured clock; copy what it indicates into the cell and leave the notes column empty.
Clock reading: 10:02
